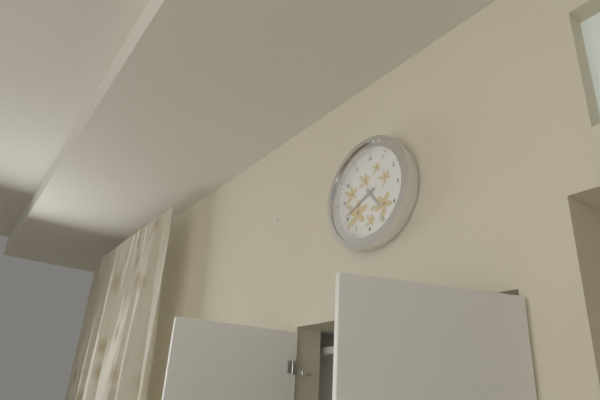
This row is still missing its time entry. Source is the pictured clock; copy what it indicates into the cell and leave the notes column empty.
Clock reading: 4:41
